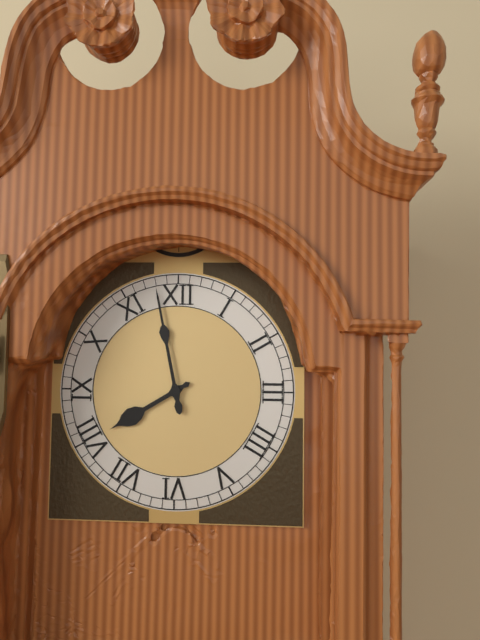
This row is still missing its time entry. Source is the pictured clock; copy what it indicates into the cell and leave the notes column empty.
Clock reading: 7:58
